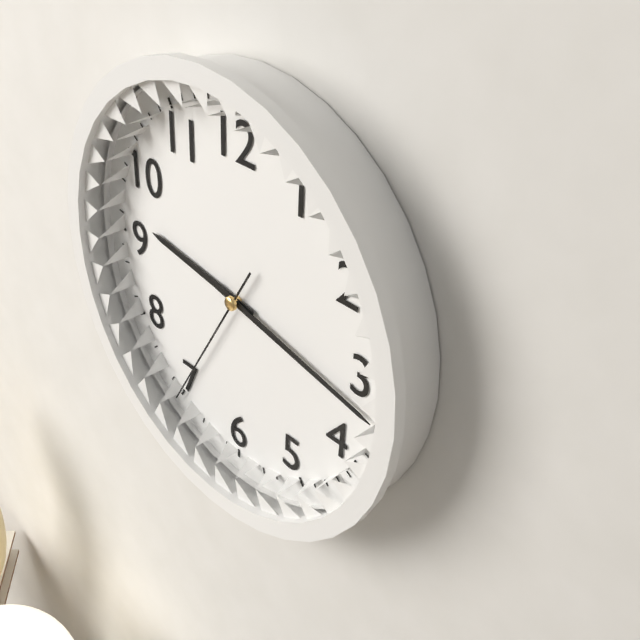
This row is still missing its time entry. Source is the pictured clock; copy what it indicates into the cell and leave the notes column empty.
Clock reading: 9:17:35
